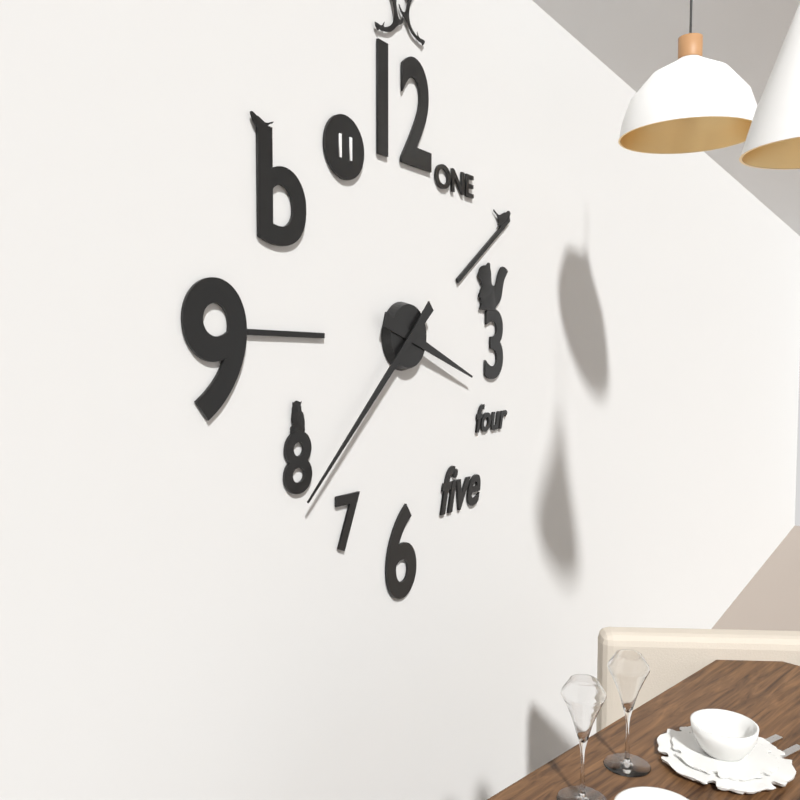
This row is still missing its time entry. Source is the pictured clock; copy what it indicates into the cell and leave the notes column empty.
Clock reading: 3:38
